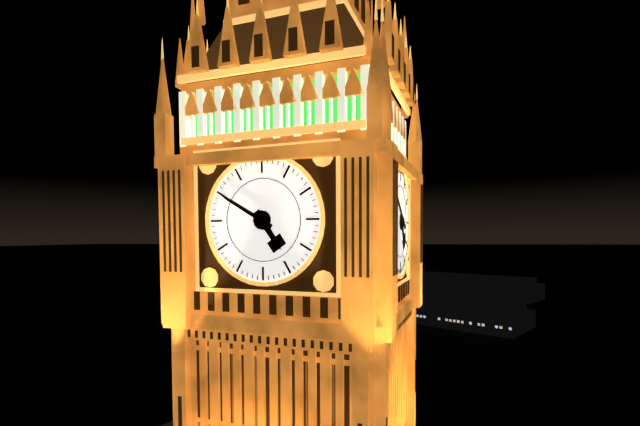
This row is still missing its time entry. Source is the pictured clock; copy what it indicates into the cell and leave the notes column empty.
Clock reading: 4:50
